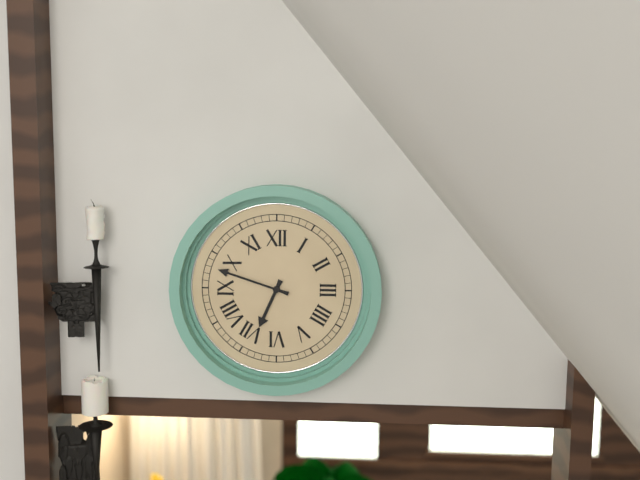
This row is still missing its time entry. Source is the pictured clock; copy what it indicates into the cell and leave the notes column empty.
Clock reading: 6:48
